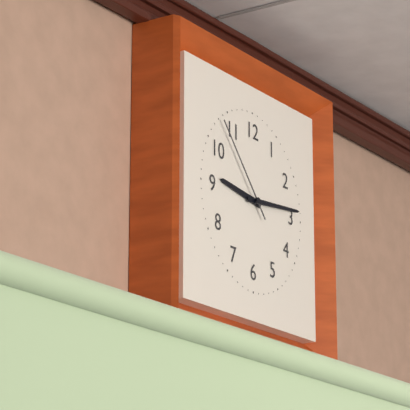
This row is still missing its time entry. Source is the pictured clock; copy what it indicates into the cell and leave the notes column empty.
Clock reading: 9:14:53
